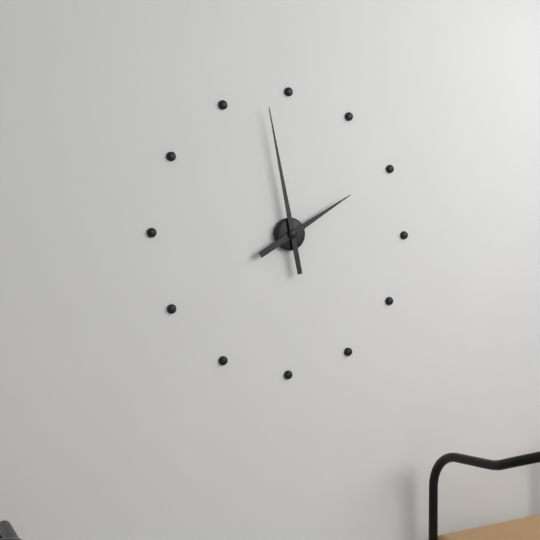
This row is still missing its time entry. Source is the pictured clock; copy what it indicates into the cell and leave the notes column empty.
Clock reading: 1:58
